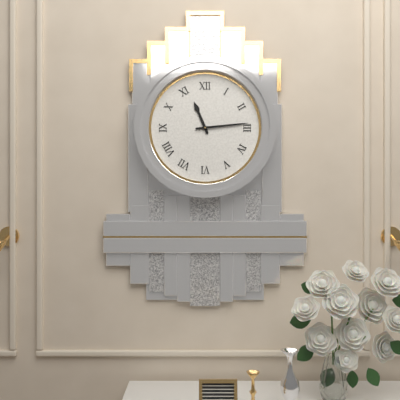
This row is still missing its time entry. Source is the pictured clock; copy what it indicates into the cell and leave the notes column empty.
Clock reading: 11:14
